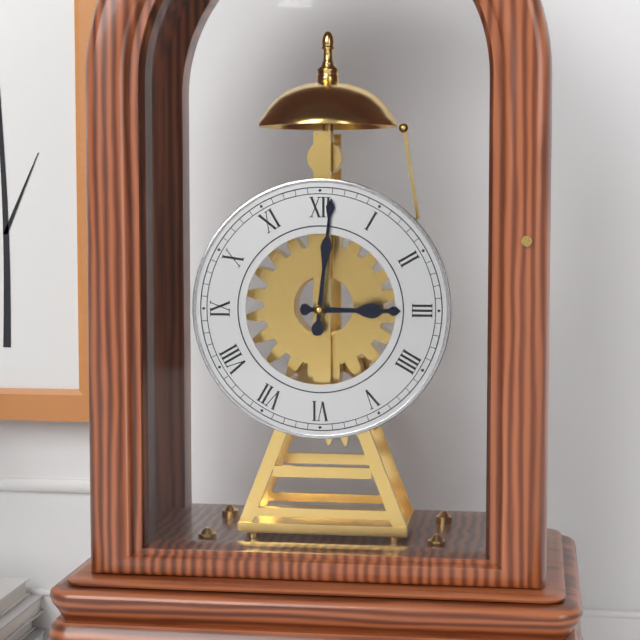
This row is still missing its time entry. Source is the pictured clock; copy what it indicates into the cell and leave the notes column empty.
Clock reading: 3:01
